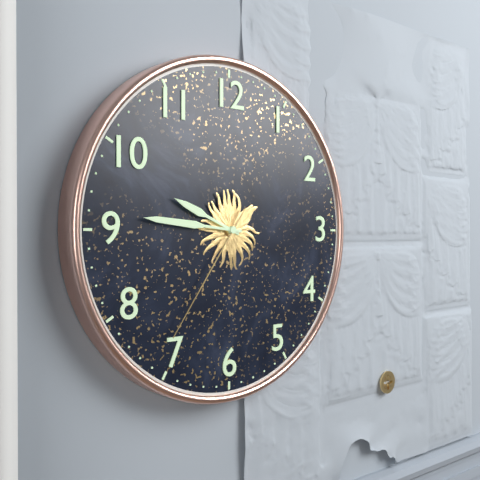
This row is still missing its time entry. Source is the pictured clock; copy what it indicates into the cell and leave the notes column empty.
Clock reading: 9:46:36
